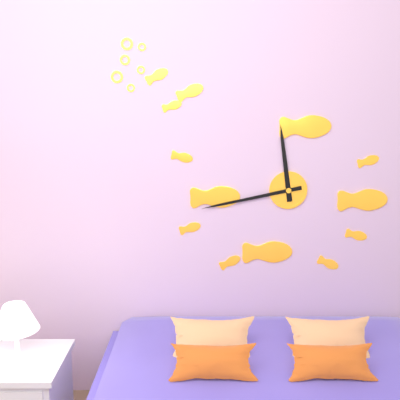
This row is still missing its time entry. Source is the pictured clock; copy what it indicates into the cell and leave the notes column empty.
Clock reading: 11:43
